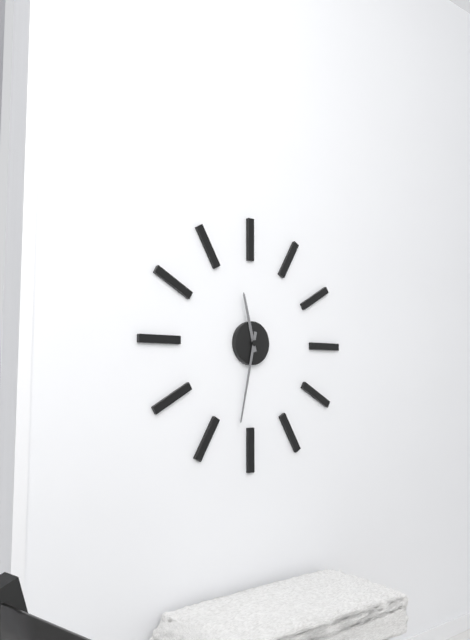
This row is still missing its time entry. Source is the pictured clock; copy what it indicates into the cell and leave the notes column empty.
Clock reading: 11:32
